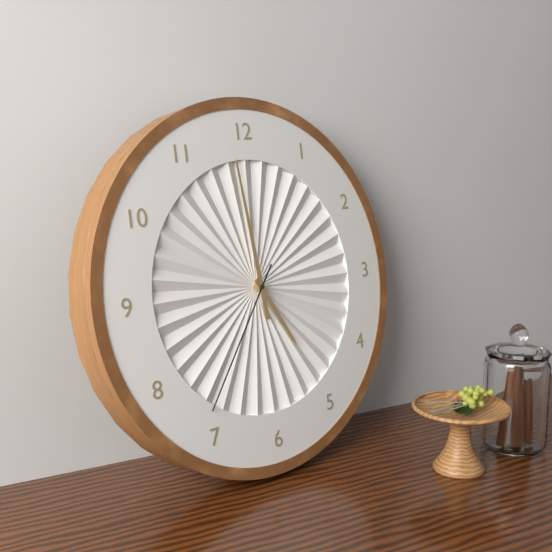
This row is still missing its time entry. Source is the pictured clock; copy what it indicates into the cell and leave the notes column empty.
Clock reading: 4:59:36
